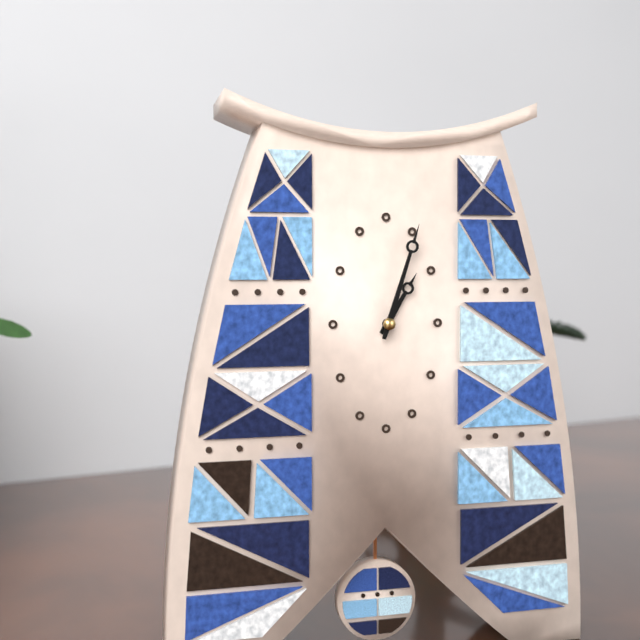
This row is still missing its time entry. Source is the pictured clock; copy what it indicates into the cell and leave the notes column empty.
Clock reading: 1:03
